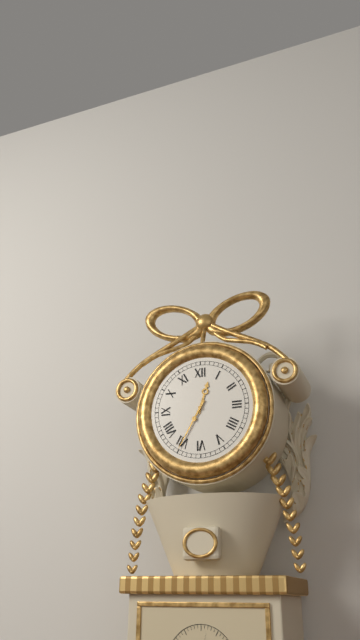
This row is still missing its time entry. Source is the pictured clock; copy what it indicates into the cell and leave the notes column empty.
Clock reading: 12:35
